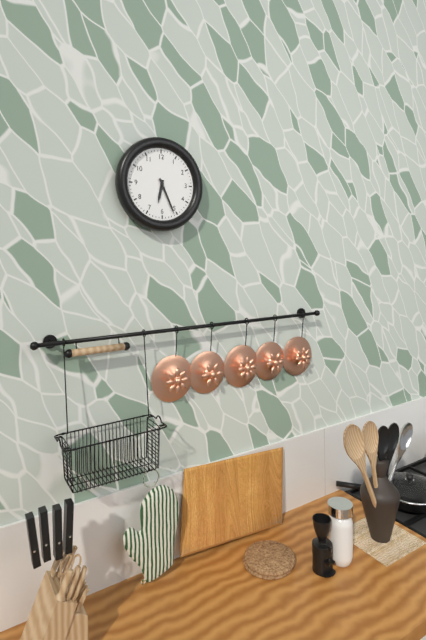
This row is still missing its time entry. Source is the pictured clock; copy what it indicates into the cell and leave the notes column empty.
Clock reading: 6:26
